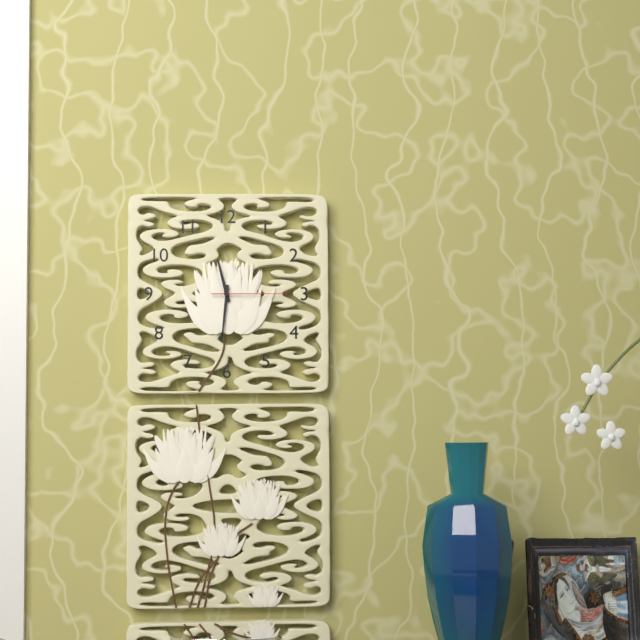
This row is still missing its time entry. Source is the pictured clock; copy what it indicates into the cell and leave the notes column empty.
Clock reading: 11:31:15
